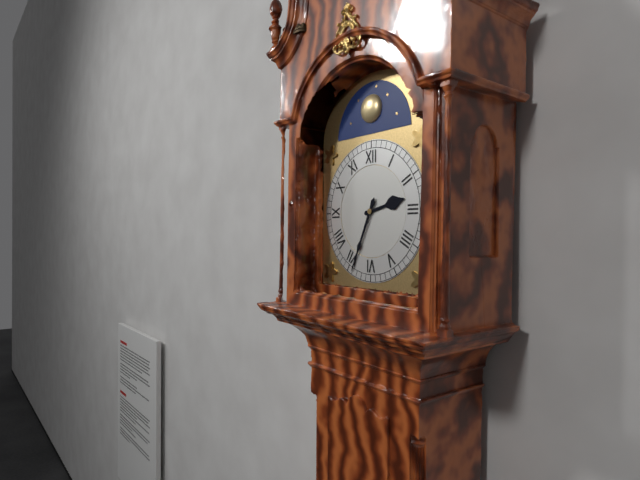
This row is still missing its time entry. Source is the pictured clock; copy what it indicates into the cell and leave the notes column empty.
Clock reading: 2:34
